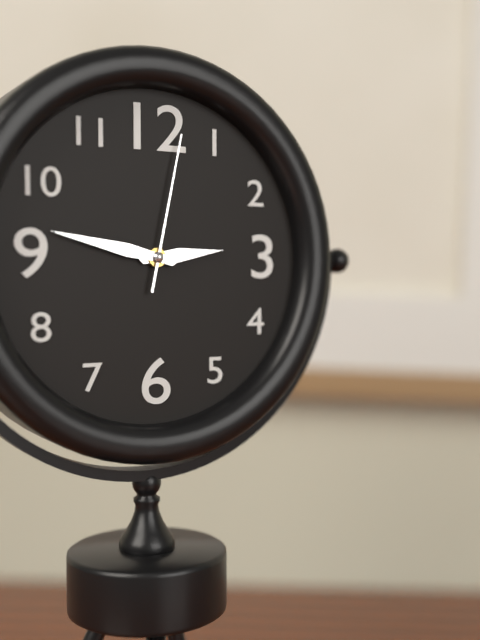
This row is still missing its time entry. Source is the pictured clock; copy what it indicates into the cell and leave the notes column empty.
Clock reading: 2:47:02
